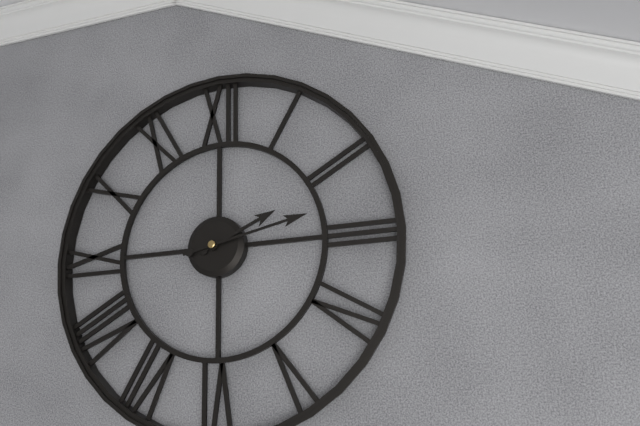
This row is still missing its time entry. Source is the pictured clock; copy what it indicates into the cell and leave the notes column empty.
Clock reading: 2:13
